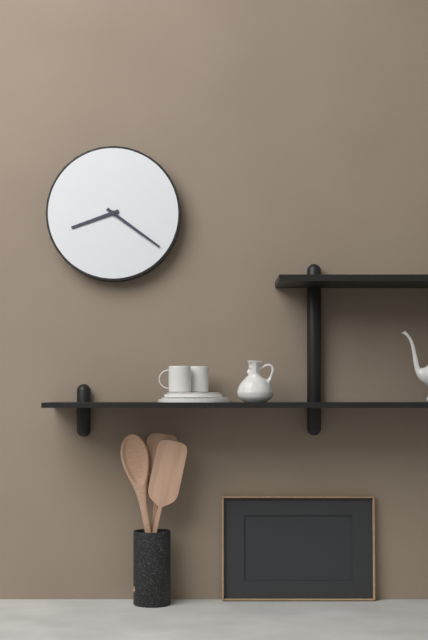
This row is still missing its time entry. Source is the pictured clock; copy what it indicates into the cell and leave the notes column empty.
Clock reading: 8:21
